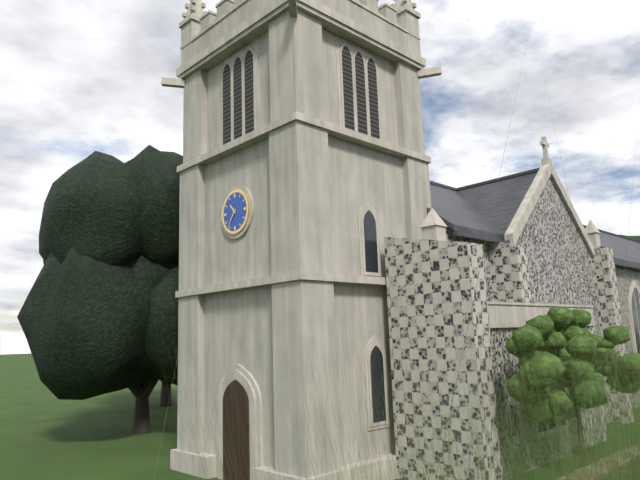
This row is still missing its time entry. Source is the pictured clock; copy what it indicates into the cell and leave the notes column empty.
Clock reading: 10:36
